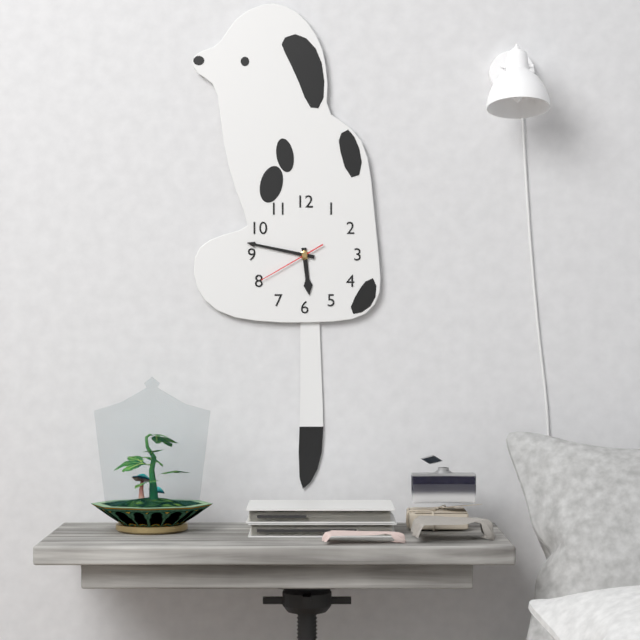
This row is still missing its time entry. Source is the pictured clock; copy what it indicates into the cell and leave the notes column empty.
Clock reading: 5:47:40
